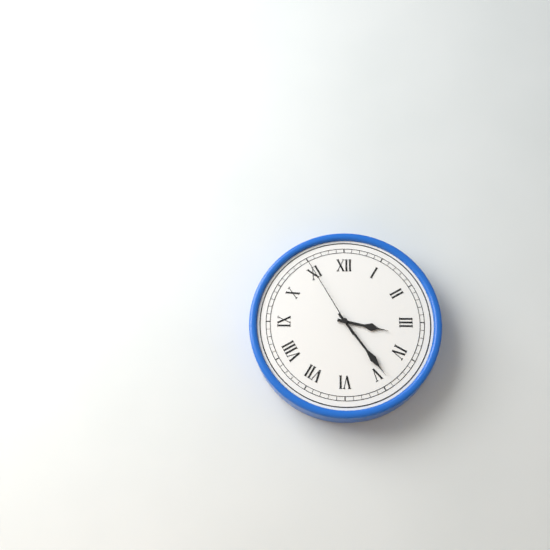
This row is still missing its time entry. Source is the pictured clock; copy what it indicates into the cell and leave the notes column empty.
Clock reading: 3:24:55
